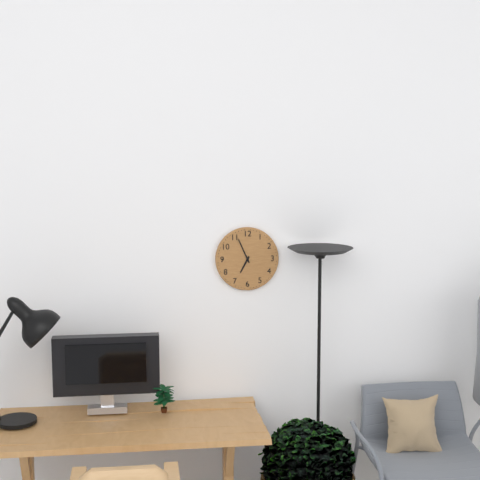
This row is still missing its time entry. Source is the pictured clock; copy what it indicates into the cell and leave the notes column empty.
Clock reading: 6:56
